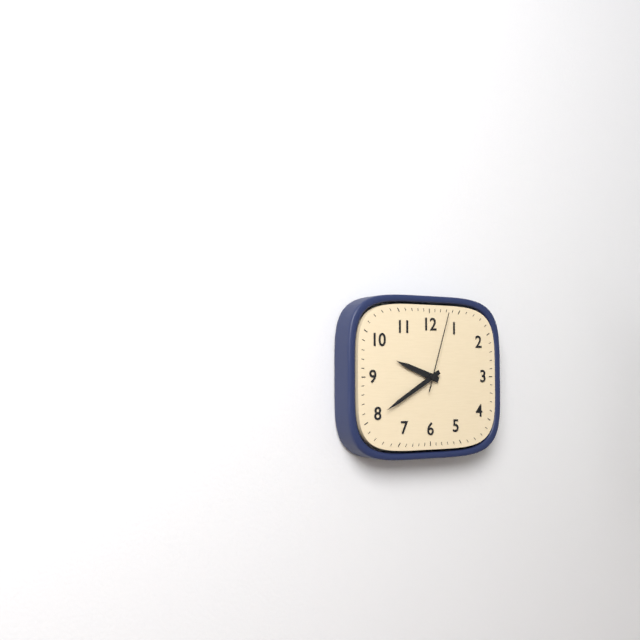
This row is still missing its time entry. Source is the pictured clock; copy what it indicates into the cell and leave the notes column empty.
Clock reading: 9:40:03
